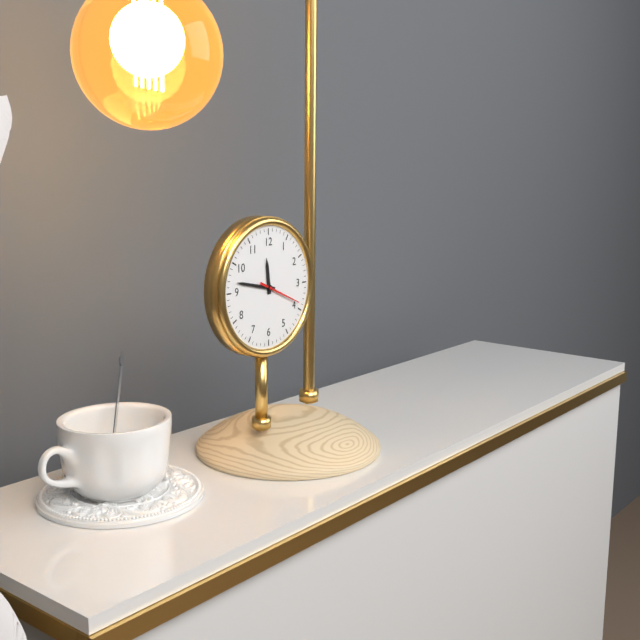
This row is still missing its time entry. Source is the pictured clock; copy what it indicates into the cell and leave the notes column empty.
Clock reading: 11:47
